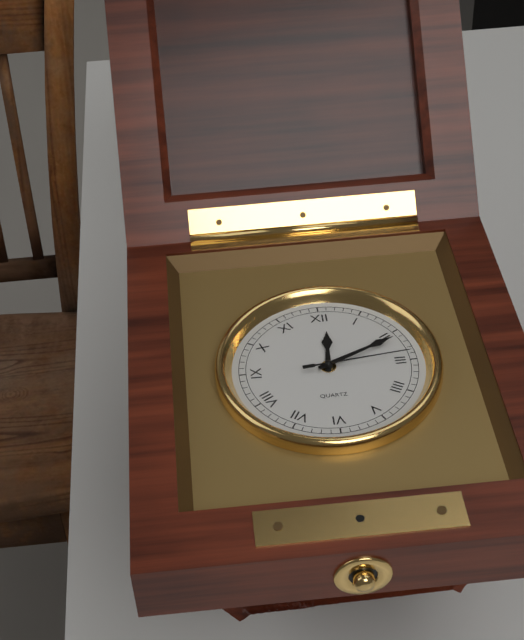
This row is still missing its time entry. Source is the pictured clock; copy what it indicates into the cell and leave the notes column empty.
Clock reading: 12:11:14
